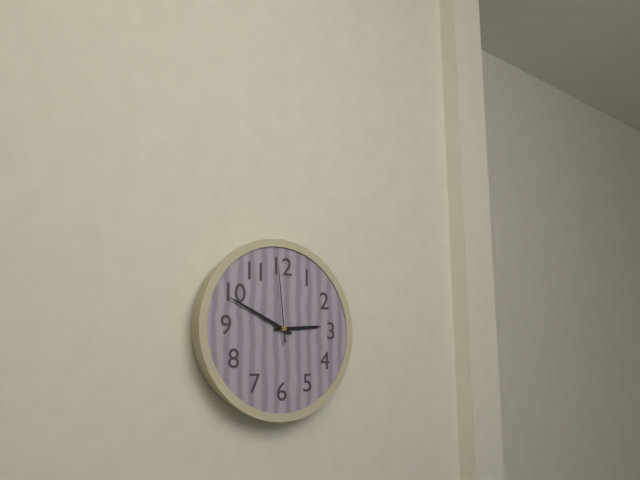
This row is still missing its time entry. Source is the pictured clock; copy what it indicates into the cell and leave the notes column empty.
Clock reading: 2:49:59
